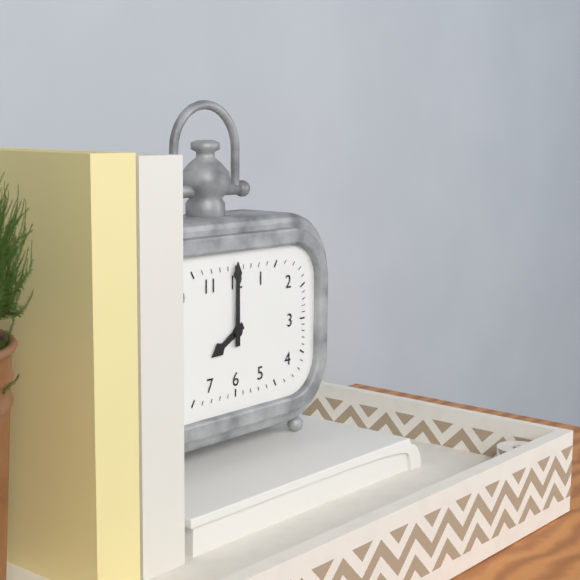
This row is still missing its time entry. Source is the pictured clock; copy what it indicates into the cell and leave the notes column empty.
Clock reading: 8:00
